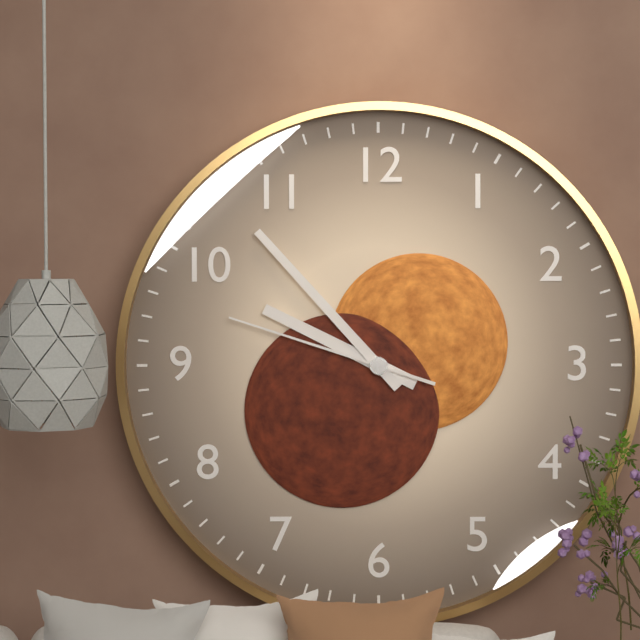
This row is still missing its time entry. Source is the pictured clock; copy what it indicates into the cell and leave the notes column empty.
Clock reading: 9:53:48
